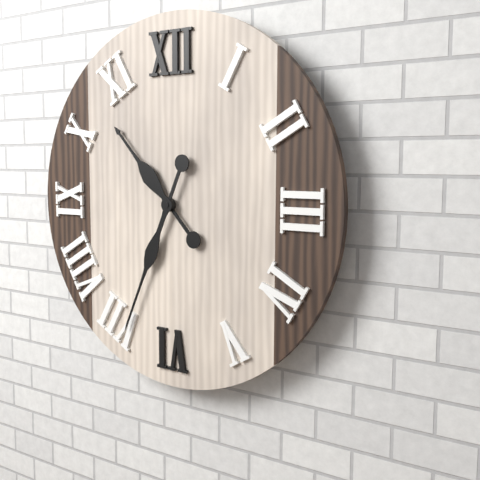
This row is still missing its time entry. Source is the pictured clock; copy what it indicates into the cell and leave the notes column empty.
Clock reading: 10:34
